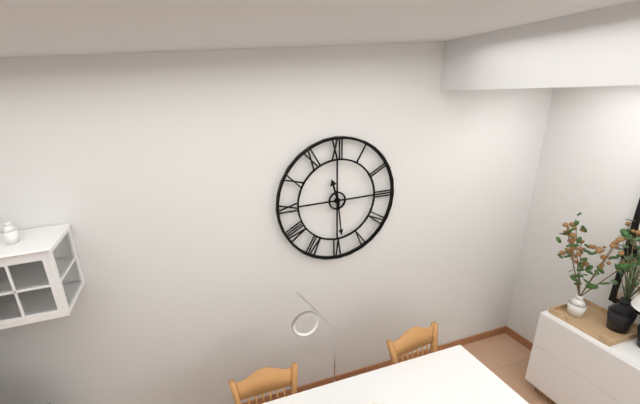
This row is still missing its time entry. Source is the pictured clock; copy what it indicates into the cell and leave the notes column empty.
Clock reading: 11:29
